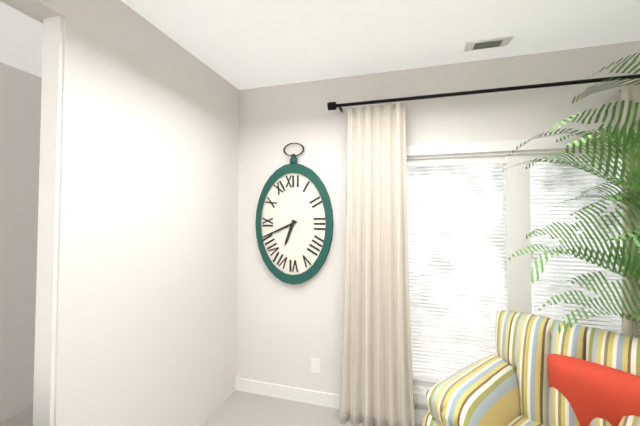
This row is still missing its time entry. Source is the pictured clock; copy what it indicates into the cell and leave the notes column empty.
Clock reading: 6:41
